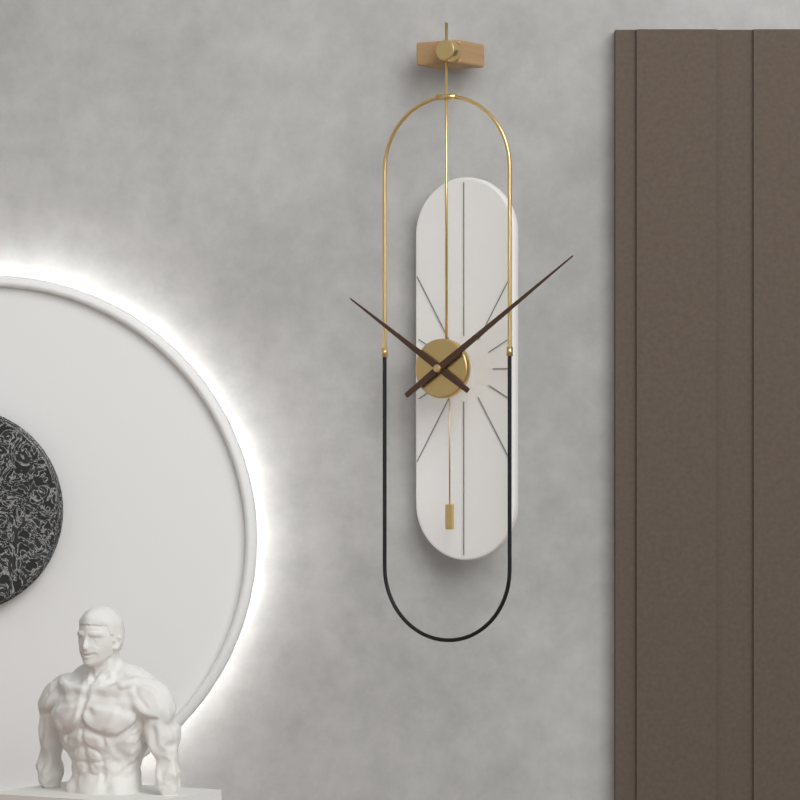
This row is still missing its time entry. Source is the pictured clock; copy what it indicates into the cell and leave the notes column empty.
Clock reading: 10:09
